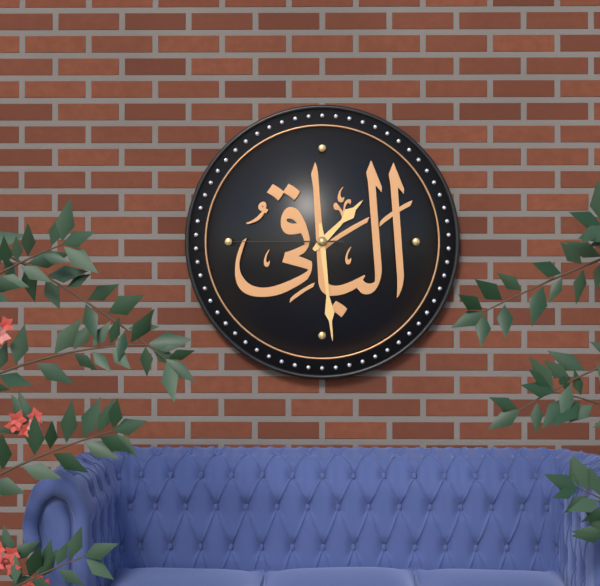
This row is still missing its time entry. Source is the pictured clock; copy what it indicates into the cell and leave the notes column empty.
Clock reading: 1:29:45
